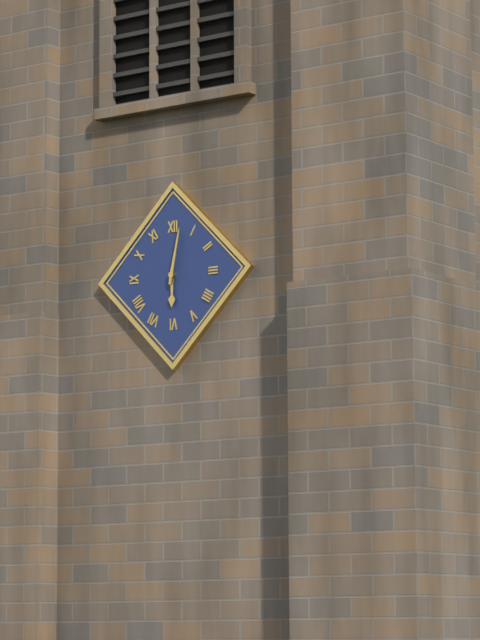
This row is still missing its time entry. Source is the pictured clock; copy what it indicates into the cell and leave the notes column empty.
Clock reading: 6:02
